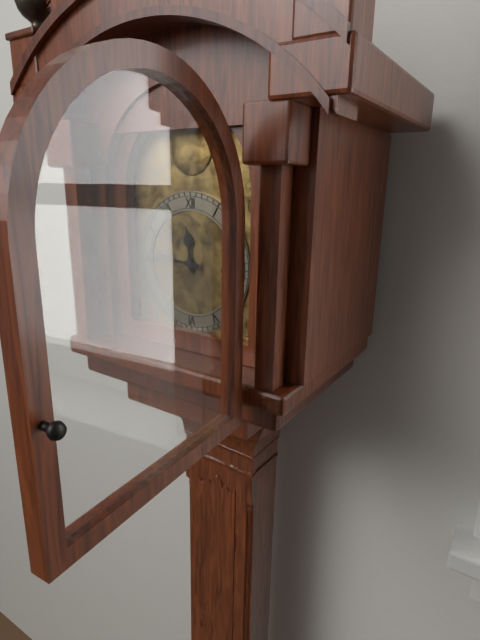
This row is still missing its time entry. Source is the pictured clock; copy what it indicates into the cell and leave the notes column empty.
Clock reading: 11:46
